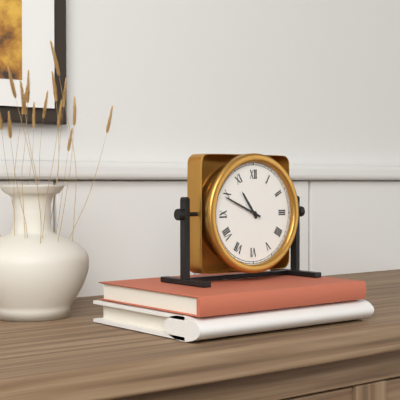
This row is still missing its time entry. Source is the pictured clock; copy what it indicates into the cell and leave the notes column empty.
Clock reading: 10:49
